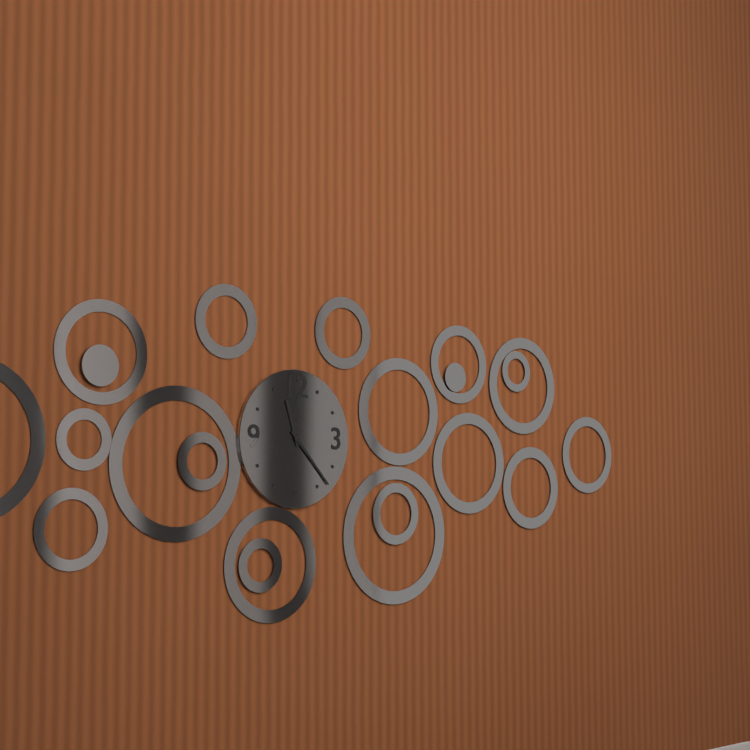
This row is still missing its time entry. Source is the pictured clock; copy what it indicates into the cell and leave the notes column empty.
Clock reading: 11:23
